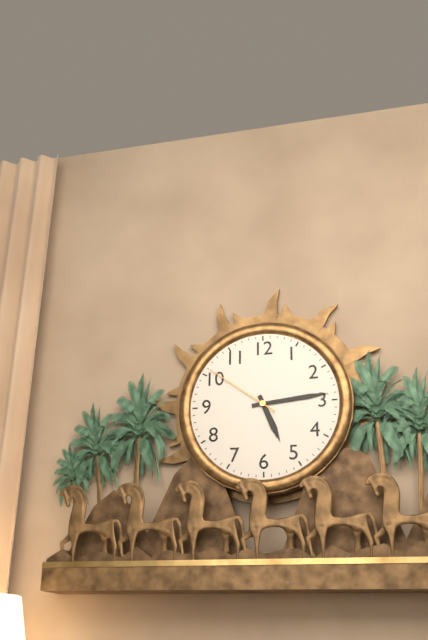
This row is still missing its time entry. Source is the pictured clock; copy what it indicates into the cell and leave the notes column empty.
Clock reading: 5:14:51
